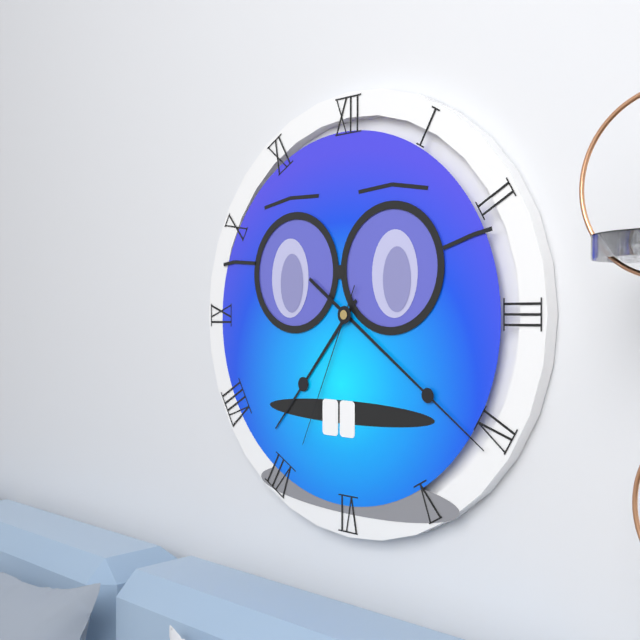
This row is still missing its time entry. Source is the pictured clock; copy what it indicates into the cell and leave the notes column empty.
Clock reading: 7:21:34
